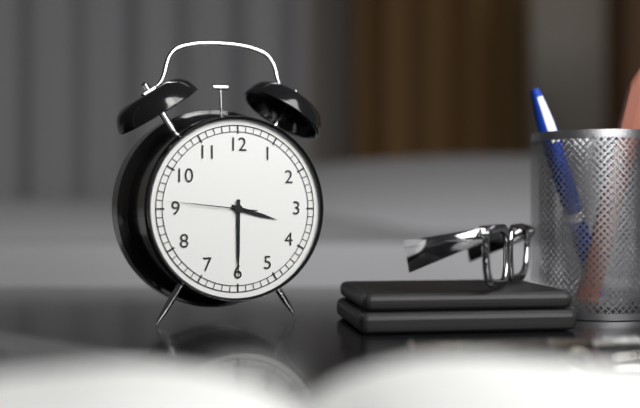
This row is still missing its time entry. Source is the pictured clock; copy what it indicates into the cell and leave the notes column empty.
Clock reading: 3:30:46
